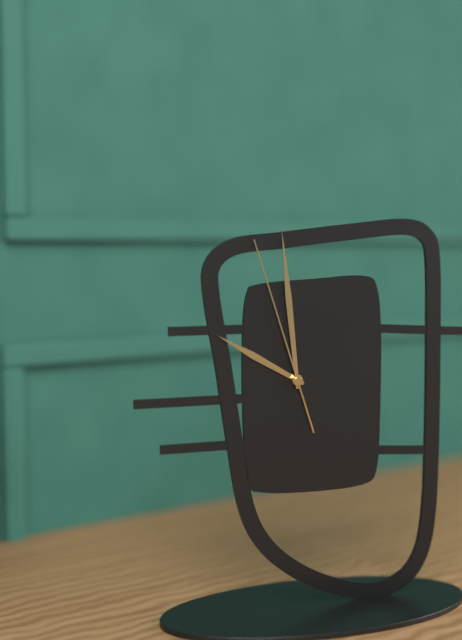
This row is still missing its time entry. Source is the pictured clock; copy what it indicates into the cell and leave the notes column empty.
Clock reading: 9:59:57
